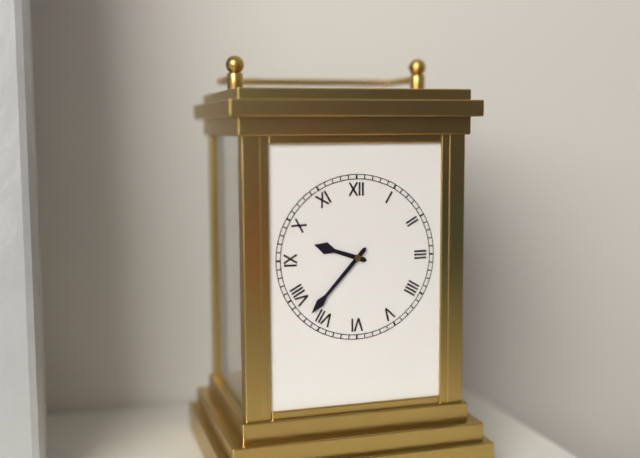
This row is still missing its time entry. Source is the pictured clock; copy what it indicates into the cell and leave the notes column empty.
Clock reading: 9:37
